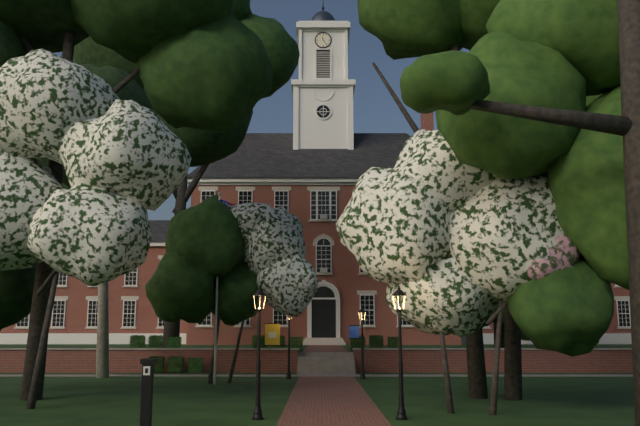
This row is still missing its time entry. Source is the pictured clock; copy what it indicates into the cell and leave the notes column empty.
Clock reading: 11:24
